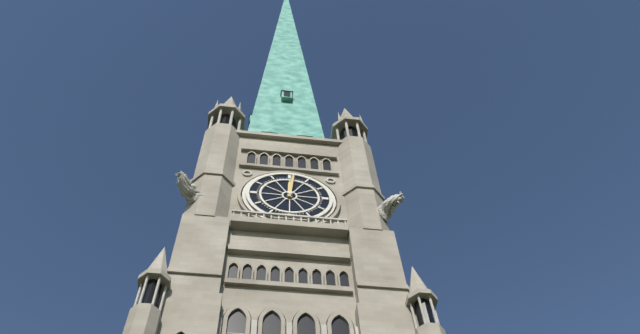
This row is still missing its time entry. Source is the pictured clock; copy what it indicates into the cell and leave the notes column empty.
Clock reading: 12:01
